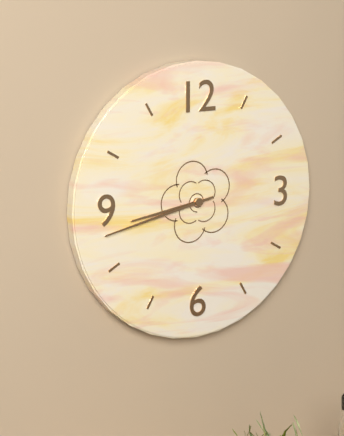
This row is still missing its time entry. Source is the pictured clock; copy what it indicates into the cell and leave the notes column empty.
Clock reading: 8:43
